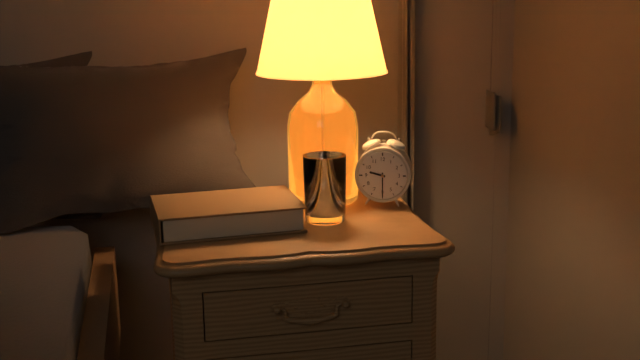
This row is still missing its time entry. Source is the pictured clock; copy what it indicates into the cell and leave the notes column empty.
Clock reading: 9:30
